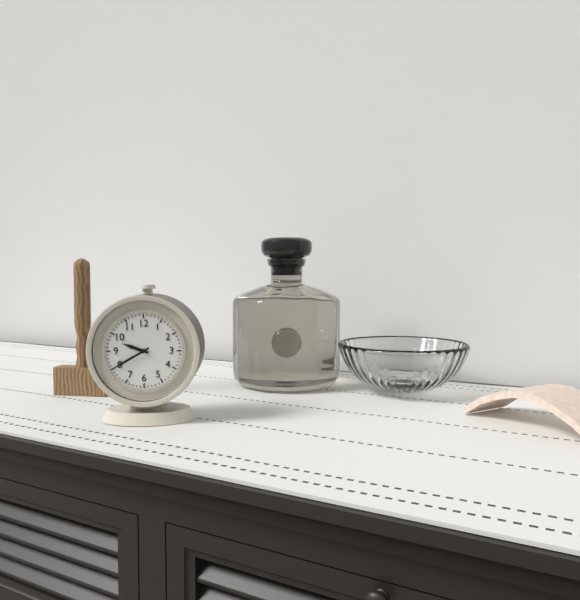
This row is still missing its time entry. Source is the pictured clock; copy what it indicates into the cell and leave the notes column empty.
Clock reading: 9:40
